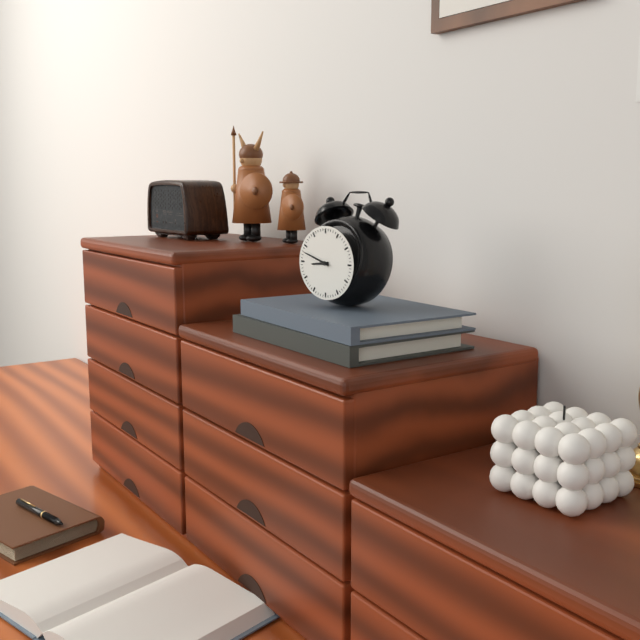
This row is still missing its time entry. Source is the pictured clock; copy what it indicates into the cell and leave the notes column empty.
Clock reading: 8:48
